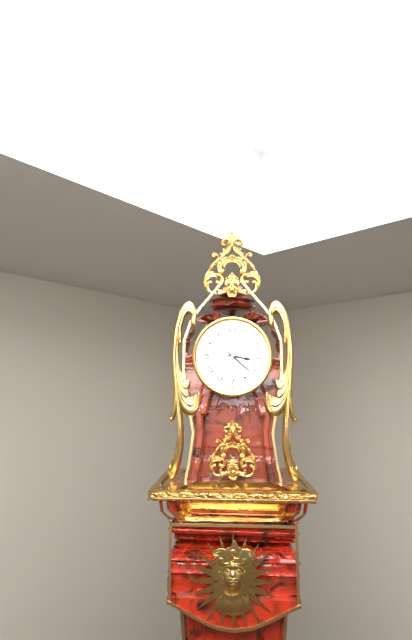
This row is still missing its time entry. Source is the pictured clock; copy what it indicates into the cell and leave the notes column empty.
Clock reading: 3:22
